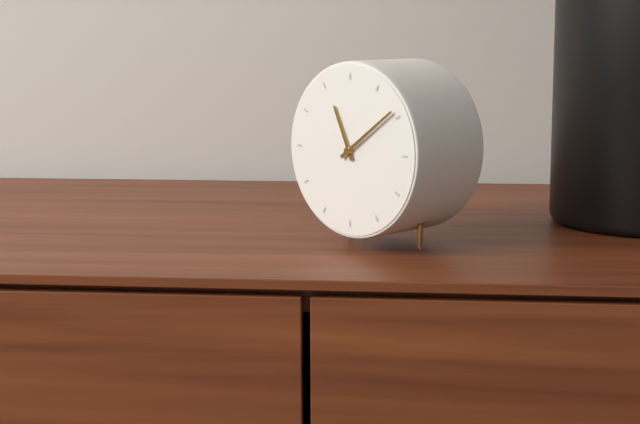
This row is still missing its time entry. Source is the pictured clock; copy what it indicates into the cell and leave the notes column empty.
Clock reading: 11:09
